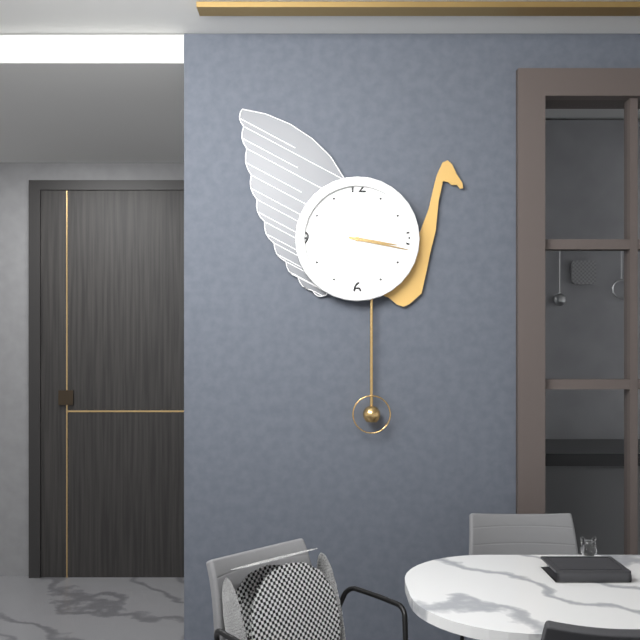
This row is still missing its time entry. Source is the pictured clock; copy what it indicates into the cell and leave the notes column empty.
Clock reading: 3:17
